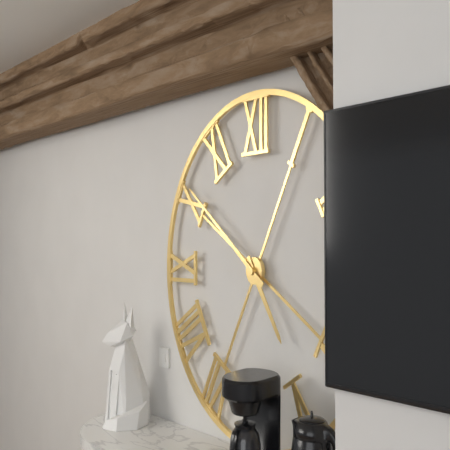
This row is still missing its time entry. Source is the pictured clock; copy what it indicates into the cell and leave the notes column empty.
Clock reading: 4:51
